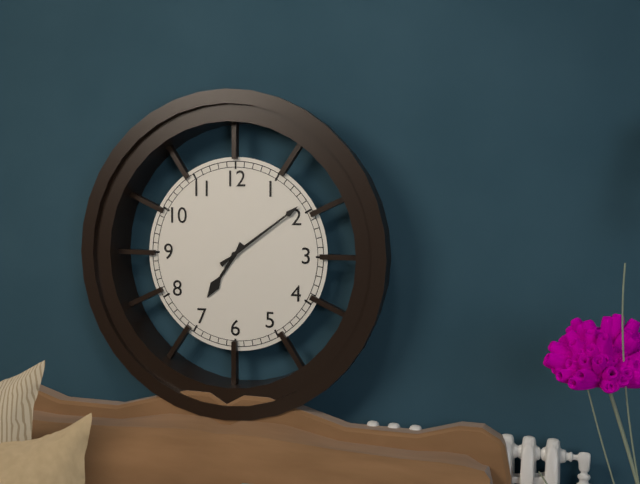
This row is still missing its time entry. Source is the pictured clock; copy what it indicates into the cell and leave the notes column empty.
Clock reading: 7:09
